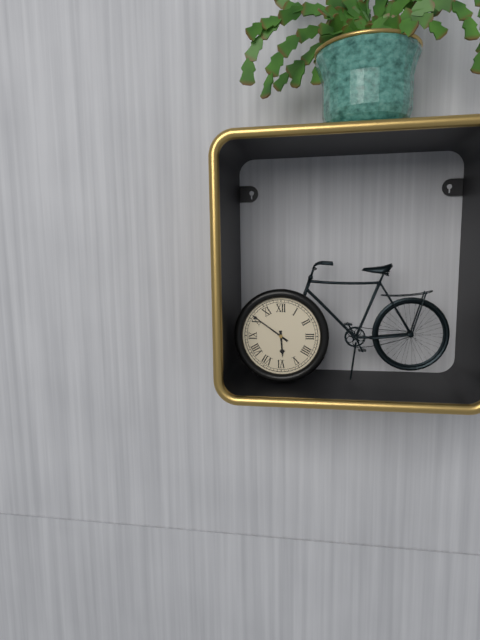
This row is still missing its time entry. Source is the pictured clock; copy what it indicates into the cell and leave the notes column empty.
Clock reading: 5:51
